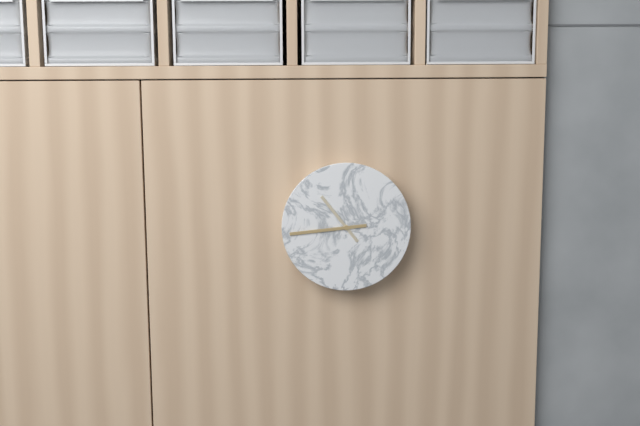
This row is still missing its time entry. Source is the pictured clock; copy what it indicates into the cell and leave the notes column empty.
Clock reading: 10:44
